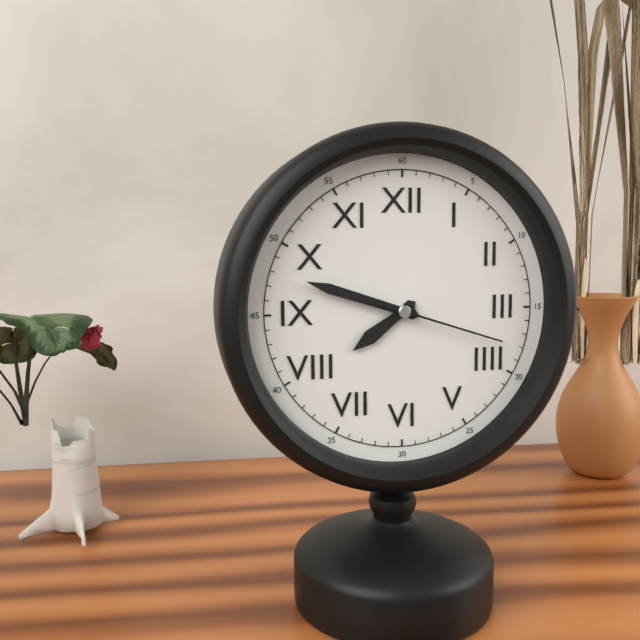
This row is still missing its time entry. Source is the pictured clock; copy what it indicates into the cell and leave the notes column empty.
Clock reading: 7:48:18
